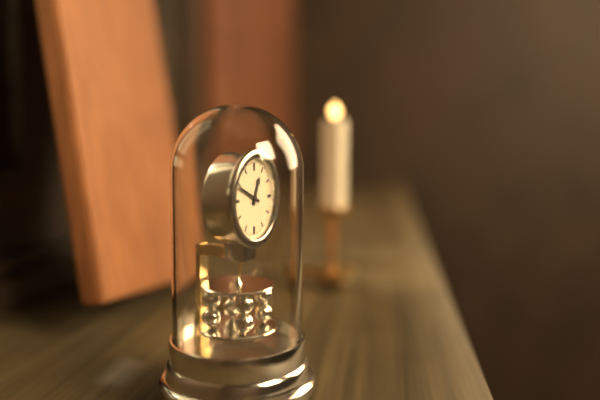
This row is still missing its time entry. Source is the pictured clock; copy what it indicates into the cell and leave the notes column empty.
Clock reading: 12:49
